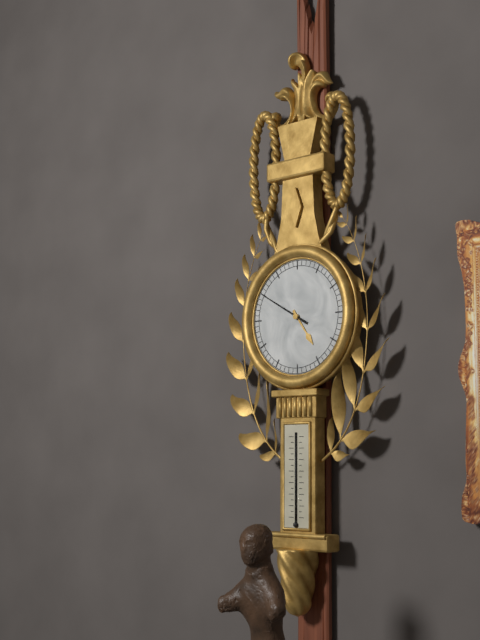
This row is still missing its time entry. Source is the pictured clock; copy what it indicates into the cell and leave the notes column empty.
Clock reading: 4:50
